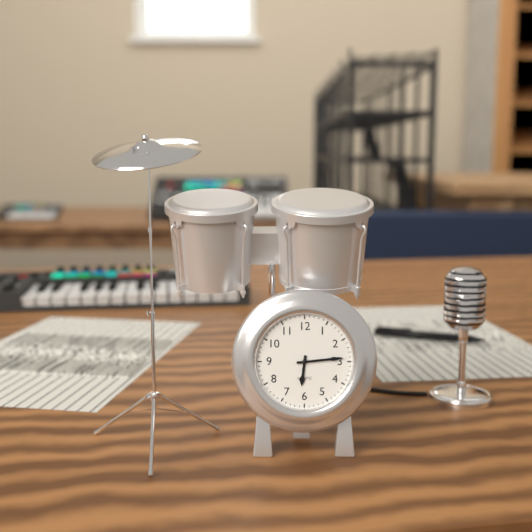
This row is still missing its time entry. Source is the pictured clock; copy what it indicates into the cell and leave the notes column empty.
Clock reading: 6:14
